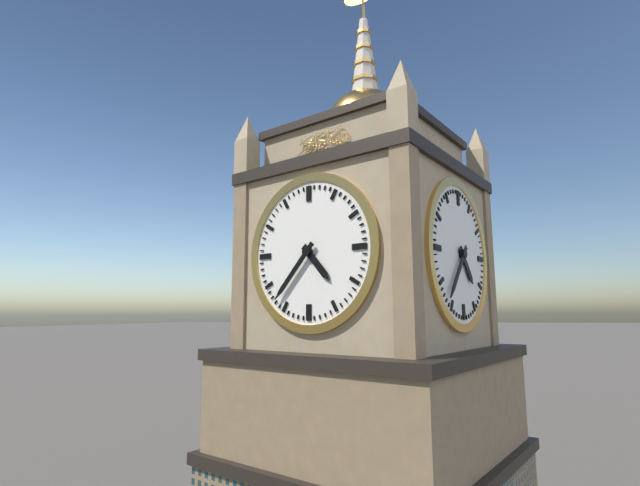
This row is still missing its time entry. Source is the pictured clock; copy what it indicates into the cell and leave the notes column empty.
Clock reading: 4:37
